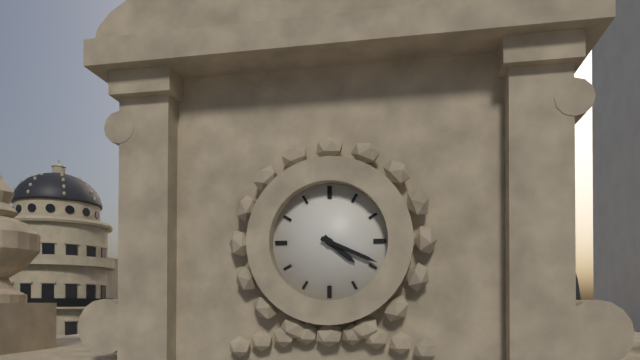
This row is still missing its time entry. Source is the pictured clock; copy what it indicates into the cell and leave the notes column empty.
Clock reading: 4:19
